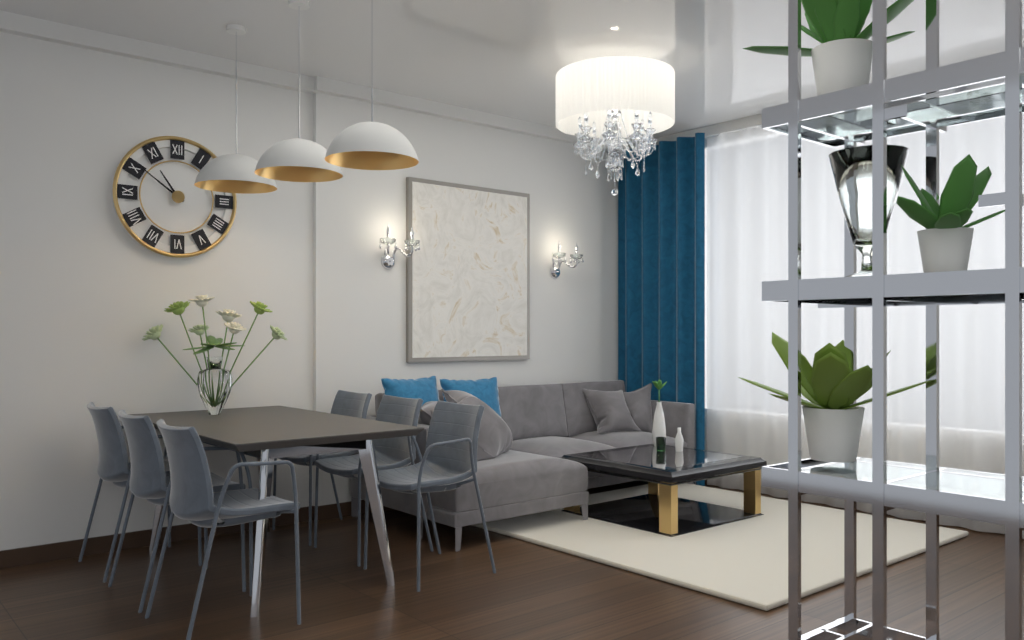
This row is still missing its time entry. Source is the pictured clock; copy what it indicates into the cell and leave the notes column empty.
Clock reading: 10:51
